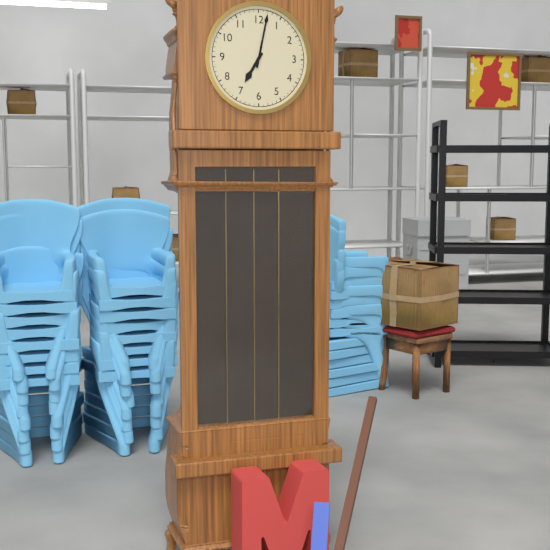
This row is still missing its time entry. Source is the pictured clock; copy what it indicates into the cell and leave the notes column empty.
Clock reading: 7:02
